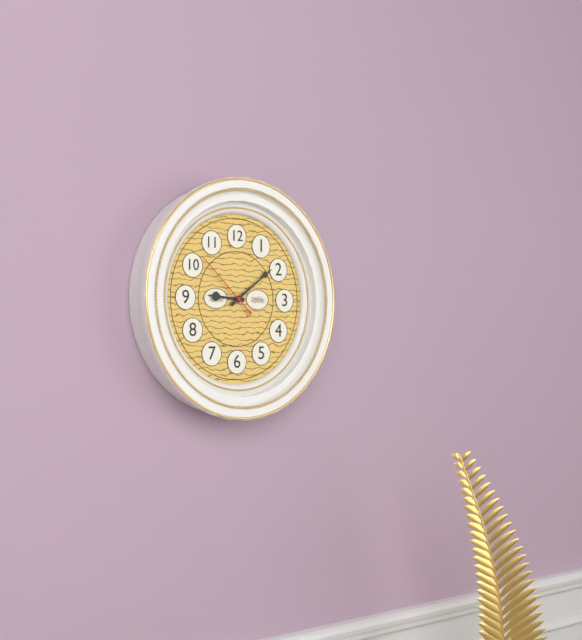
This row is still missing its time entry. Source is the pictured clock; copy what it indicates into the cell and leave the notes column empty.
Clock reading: 9:09:52
